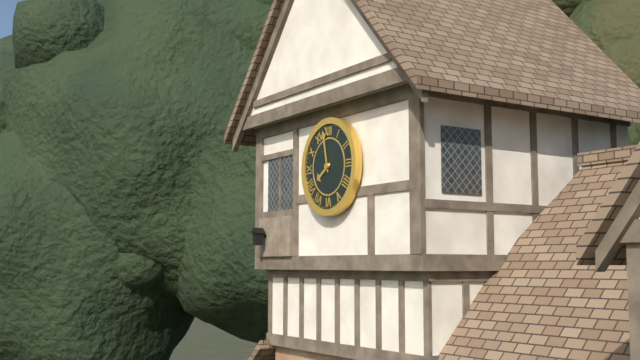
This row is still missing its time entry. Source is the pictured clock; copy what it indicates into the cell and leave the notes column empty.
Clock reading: 7:58
